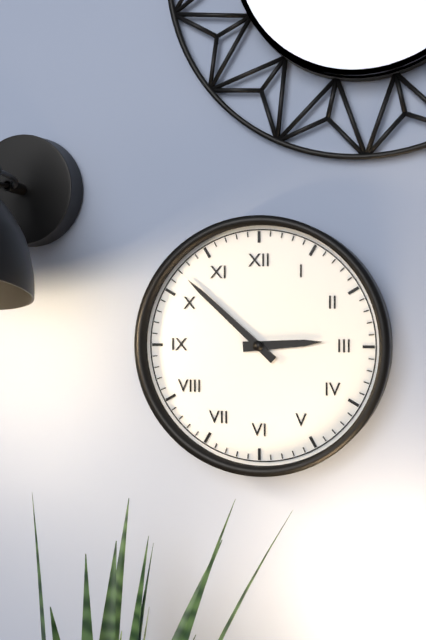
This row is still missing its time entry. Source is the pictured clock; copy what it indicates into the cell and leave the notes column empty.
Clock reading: 2:52
